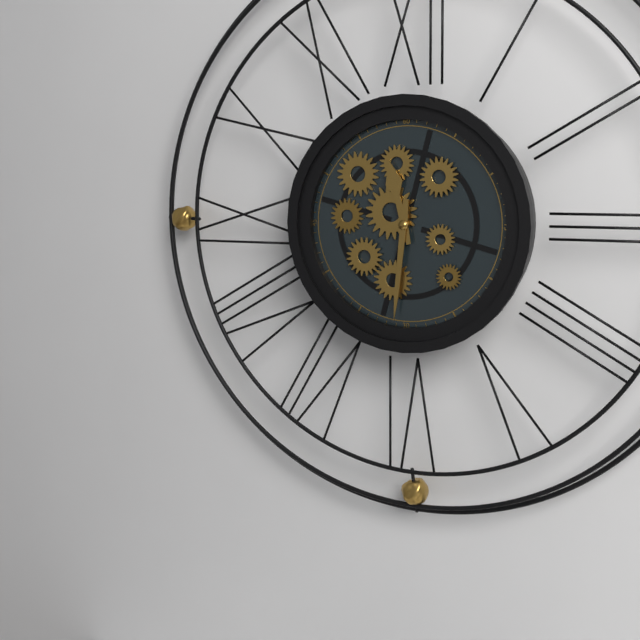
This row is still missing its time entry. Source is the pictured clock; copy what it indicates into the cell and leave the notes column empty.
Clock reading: 11:31
